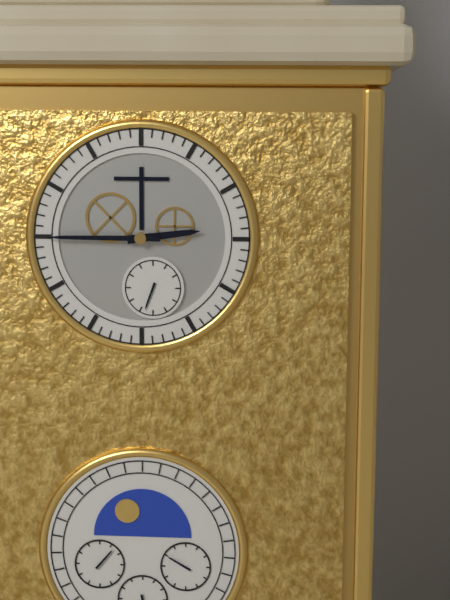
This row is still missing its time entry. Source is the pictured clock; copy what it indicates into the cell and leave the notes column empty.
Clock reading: 2:45
